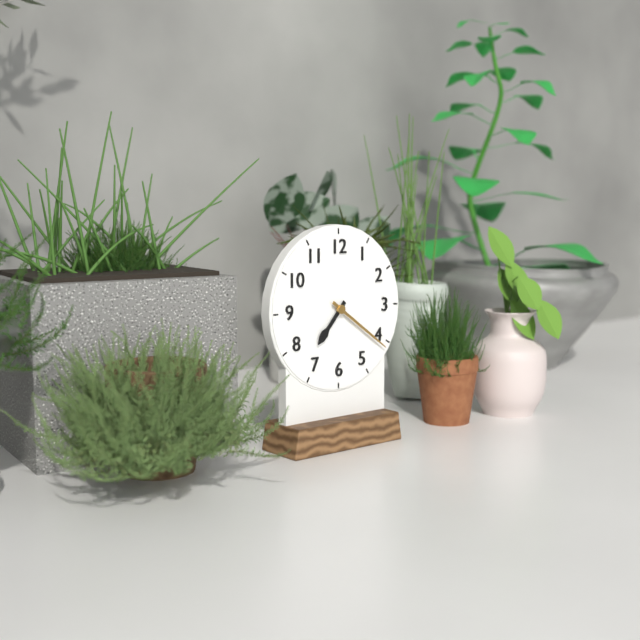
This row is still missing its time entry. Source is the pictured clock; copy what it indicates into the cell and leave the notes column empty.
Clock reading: 7:21
